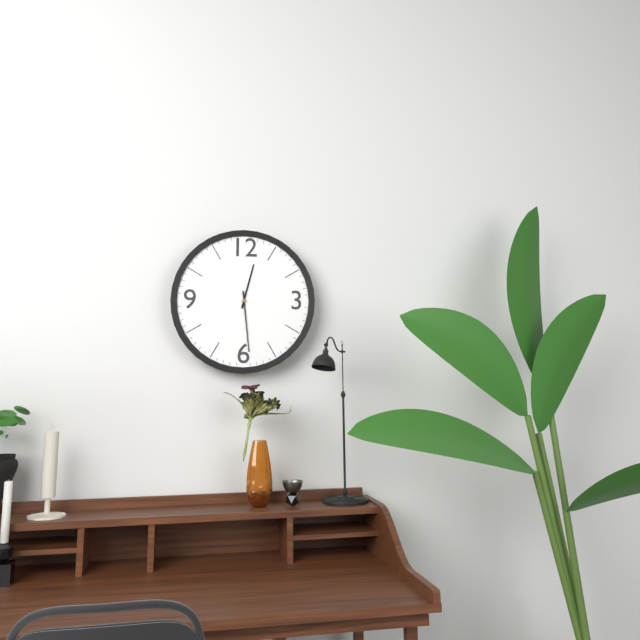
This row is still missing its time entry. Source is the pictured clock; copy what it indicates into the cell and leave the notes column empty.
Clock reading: 12:29
